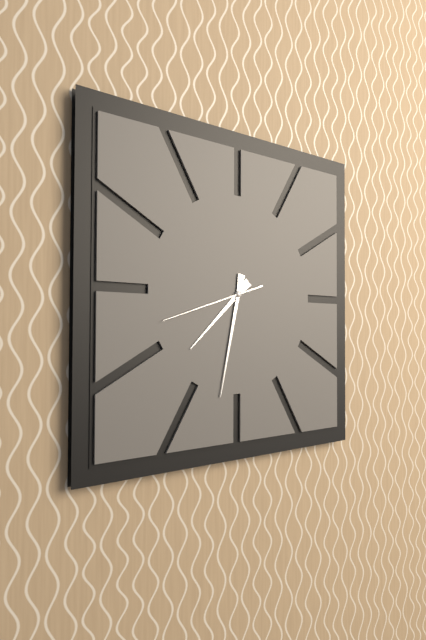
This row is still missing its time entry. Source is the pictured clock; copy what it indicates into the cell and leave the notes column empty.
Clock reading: 7:32:42
